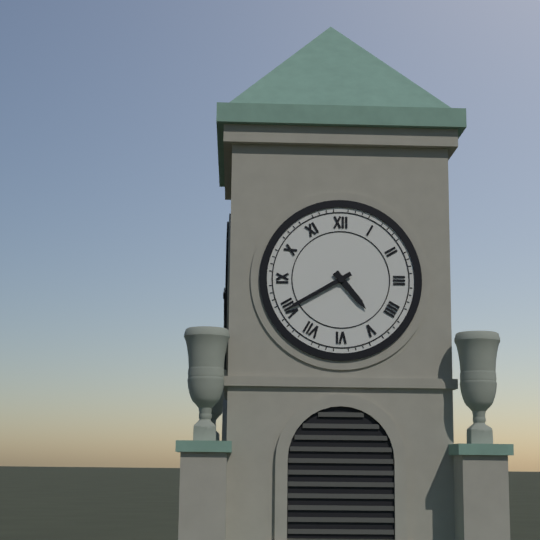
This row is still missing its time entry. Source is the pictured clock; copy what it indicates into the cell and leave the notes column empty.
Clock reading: 4:40
